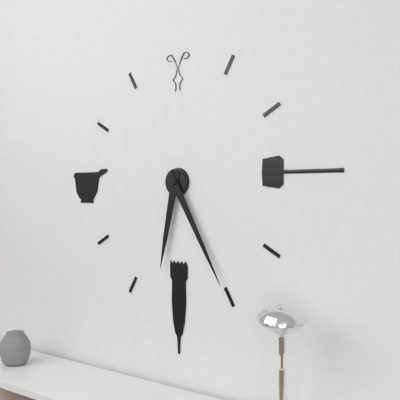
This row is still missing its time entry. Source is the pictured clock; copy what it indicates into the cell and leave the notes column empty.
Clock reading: 6:25
